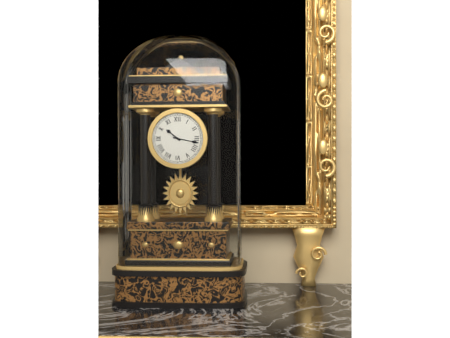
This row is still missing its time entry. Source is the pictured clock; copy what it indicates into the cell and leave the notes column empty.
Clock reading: 10:17
